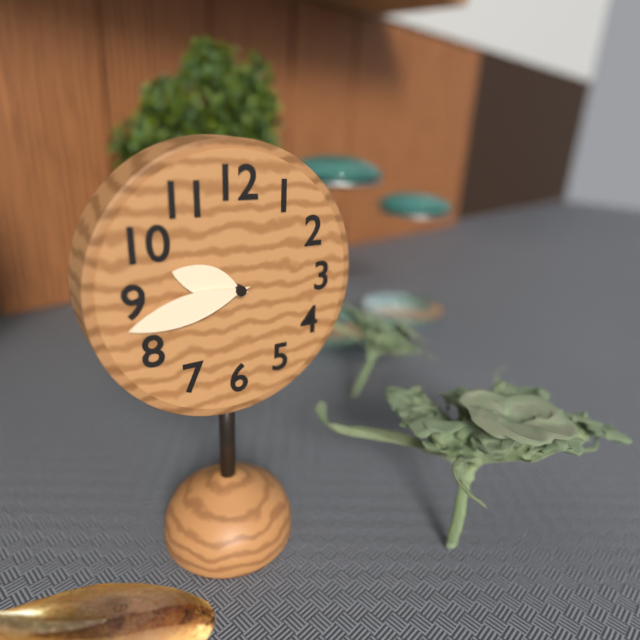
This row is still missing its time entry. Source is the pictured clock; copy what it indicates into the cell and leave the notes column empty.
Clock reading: 9:43
